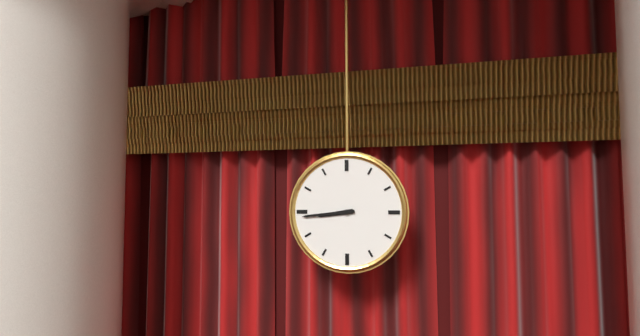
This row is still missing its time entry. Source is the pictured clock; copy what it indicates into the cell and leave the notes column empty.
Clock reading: 8:44
